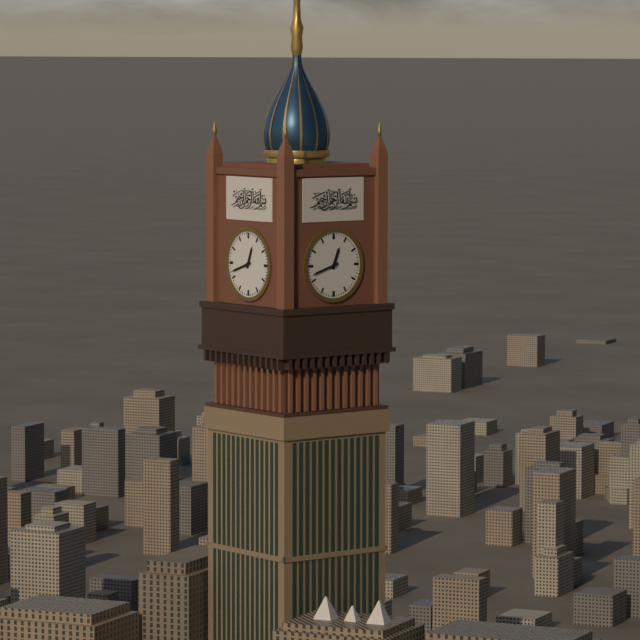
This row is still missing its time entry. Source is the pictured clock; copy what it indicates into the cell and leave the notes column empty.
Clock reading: 12:42
